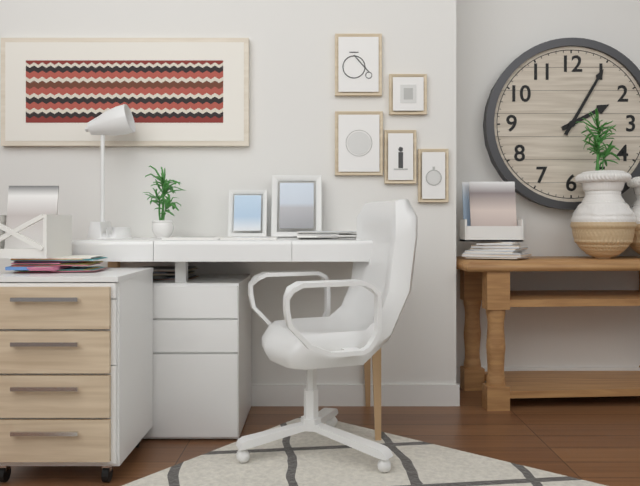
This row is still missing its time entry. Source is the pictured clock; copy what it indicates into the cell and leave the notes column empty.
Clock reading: 2:05
